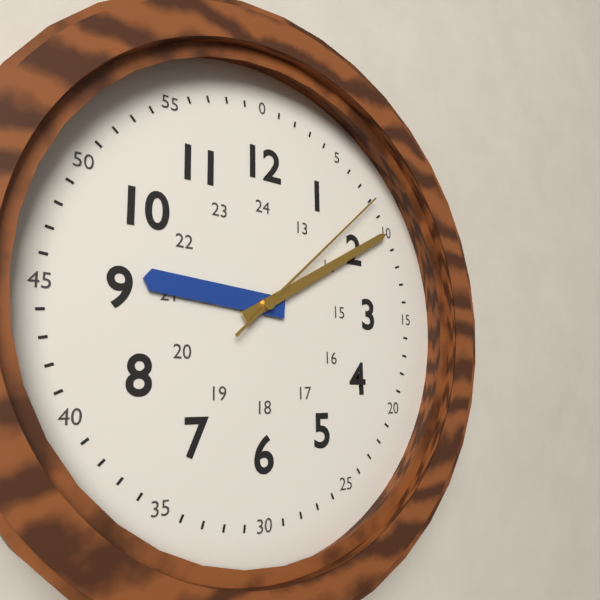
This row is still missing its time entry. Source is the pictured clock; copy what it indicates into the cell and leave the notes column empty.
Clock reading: 9:10:08
